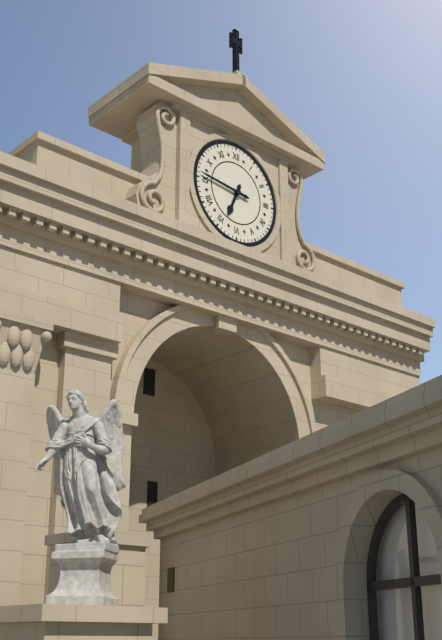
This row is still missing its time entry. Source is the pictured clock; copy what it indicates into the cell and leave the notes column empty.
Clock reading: 6:46
